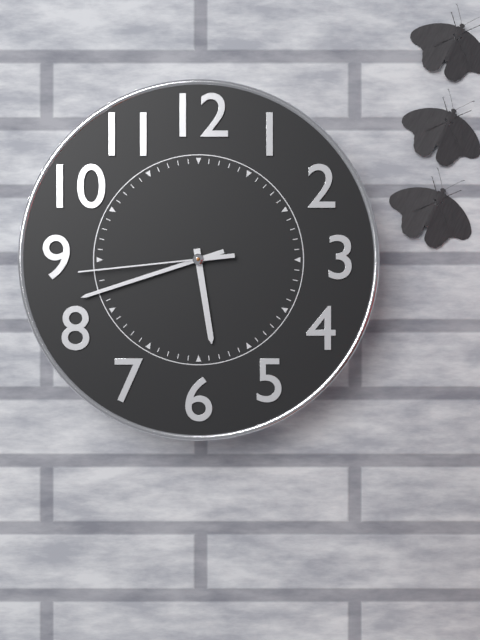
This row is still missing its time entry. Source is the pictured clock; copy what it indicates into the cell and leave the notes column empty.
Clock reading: 5:42:44
